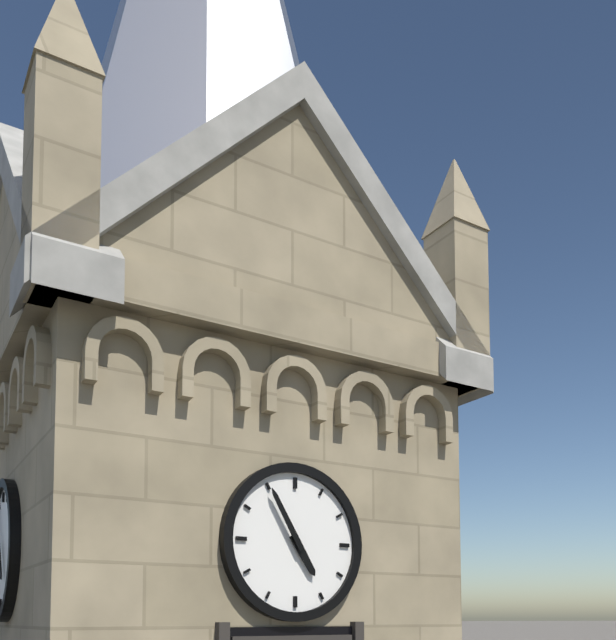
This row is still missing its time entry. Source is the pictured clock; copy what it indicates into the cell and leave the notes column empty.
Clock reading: 4:55
